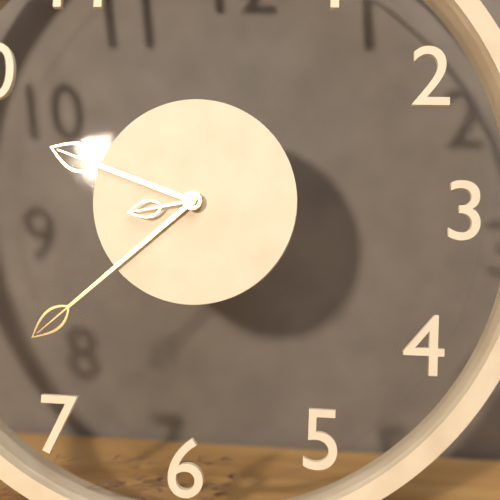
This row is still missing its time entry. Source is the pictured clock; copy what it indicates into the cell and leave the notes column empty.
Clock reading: 9:38:43
